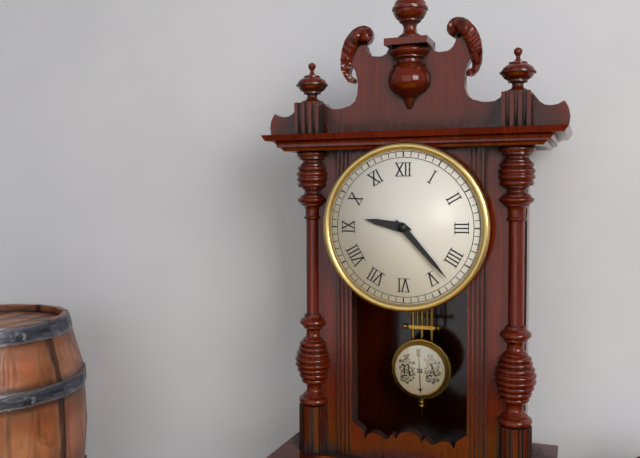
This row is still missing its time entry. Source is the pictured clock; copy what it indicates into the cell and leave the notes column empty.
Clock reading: 9:23
